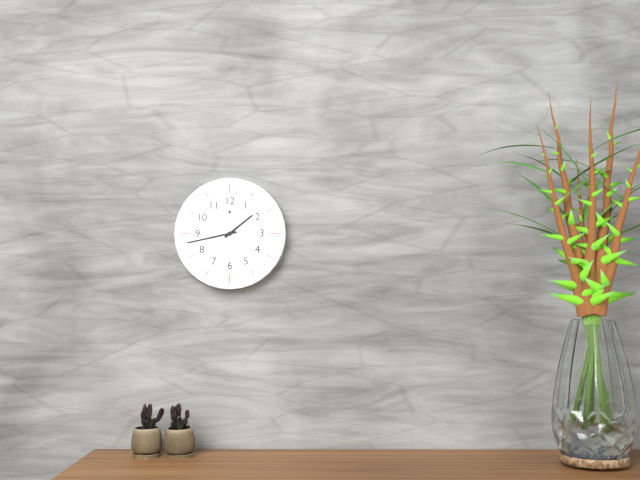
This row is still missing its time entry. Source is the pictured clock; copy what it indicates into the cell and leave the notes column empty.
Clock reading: 1:43
